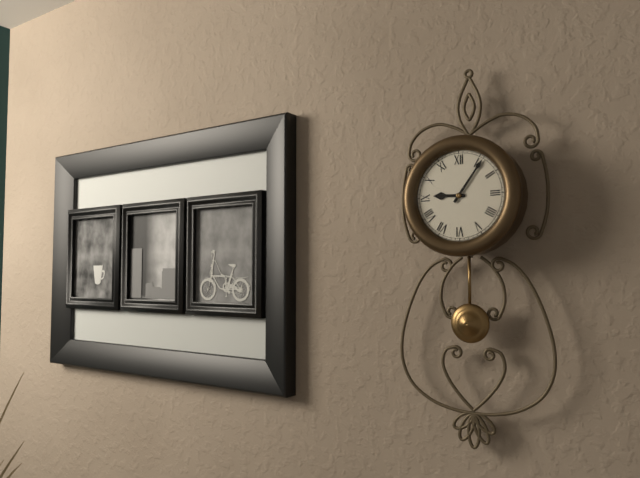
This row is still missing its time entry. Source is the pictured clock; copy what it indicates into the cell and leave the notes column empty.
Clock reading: 9:06
